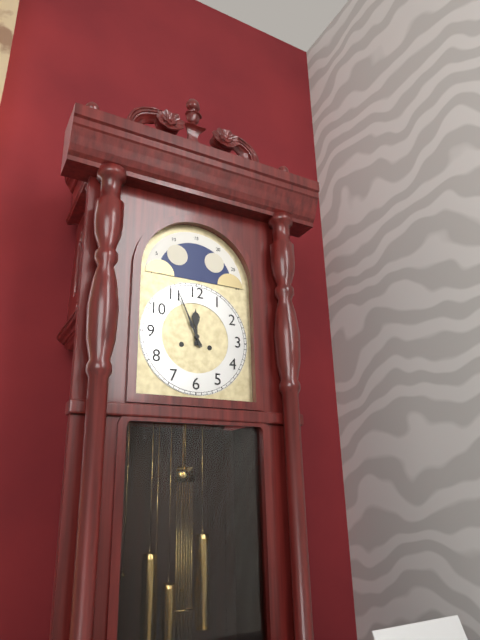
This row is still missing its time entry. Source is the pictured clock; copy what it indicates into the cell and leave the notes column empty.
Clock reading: 11:56
